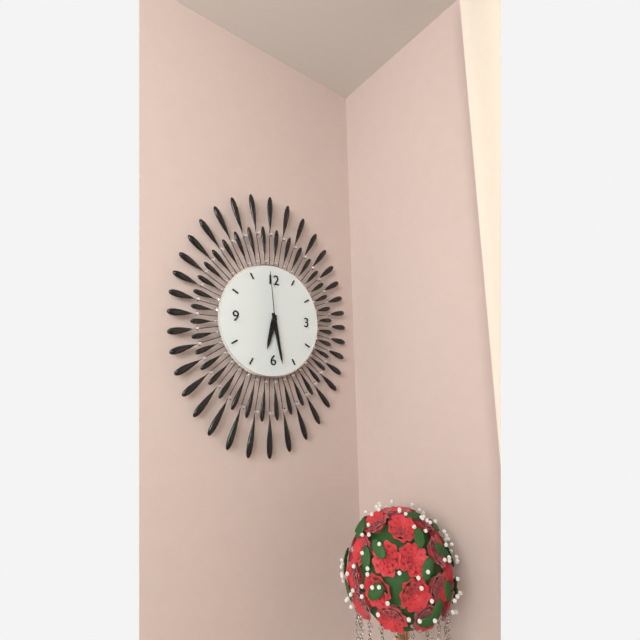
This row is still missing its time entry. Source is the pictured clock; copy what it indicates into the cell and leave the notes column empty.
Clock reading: 6:28:59
